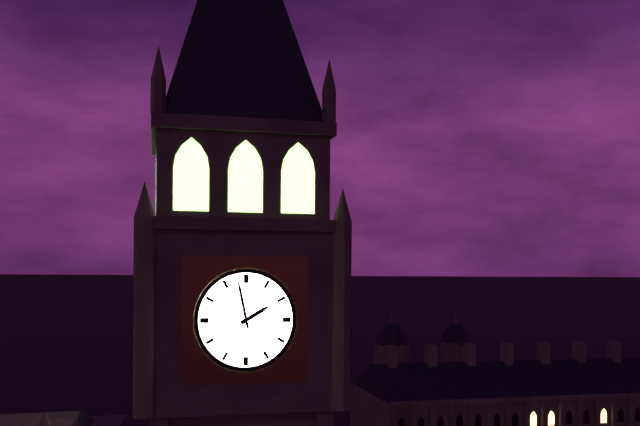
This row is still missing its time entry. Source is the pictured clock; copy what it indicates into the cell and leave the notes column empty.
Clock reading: 1:58
